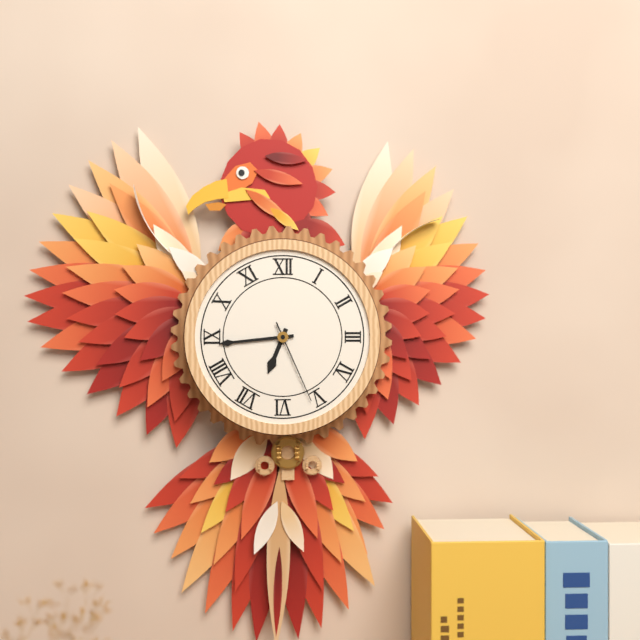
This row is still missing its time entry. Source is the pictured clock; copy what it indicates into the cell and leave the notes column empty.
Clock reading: 6:44:26
